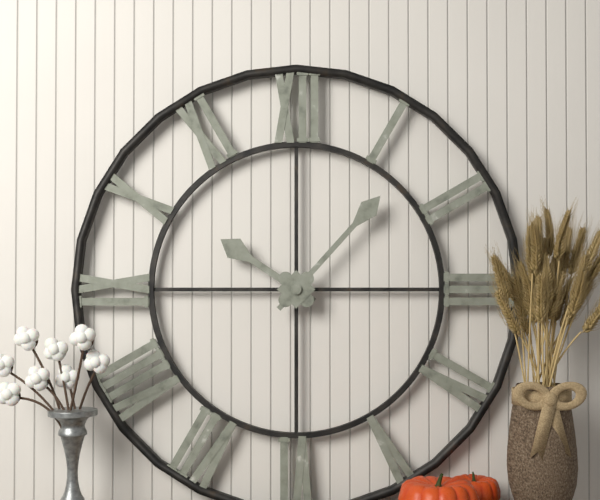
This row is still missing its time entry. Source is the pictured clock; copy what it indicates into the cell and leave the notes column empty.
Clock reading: 10:07
